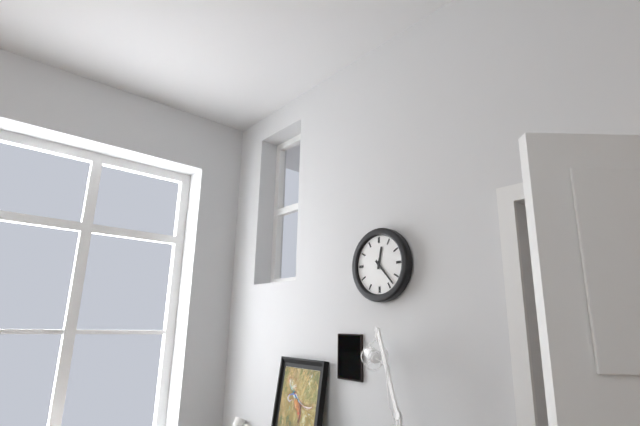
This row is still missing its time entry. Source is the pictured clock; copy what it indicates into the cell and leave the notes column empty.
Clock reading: 12:23
